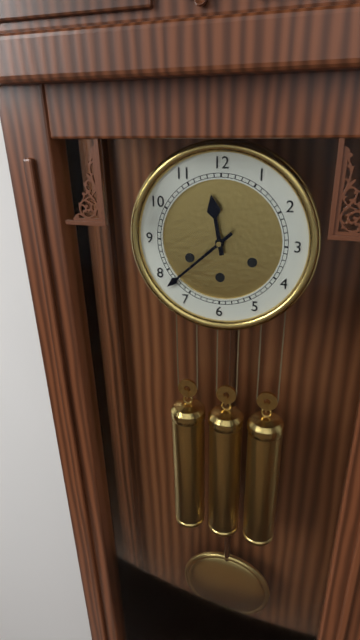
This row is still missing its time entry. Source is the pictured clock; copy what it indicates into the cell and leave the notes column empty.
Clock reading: 11:38
